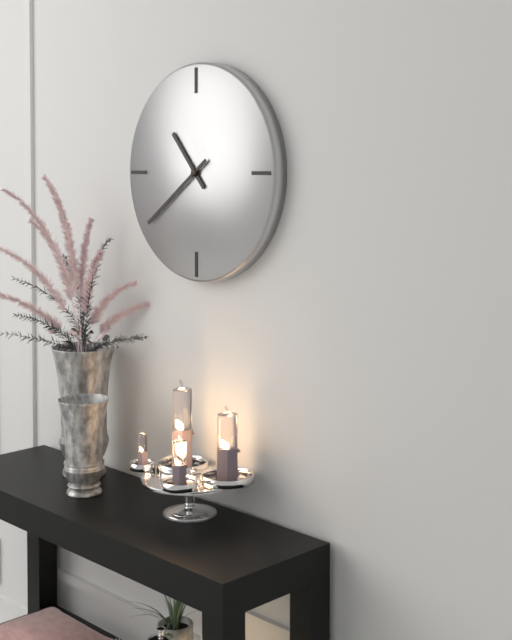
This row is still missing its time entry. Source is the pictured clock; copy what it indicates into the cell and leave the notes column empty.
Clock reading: 10:39
